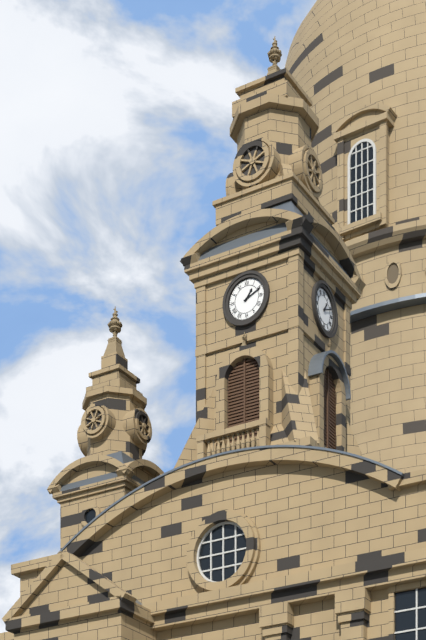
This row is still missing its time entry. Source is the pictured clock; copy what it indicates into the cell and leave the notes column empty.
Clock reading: 1:11
